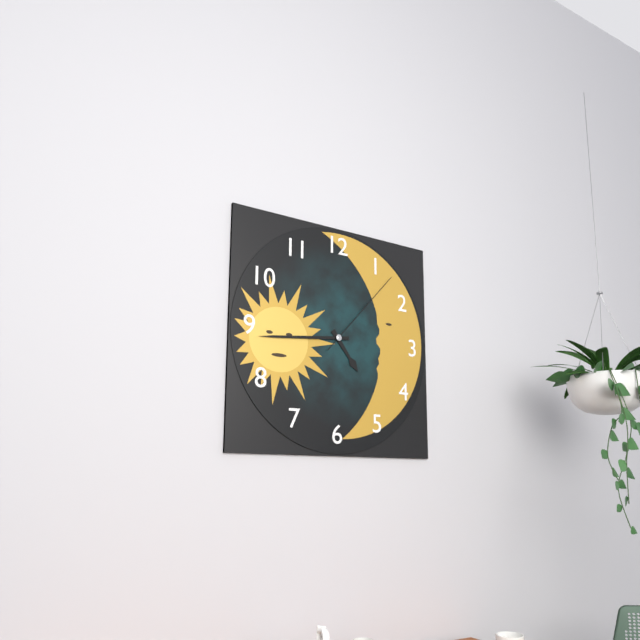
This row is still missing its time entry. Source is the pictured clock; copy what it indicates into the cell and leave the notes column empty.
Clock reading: 4:44:07
